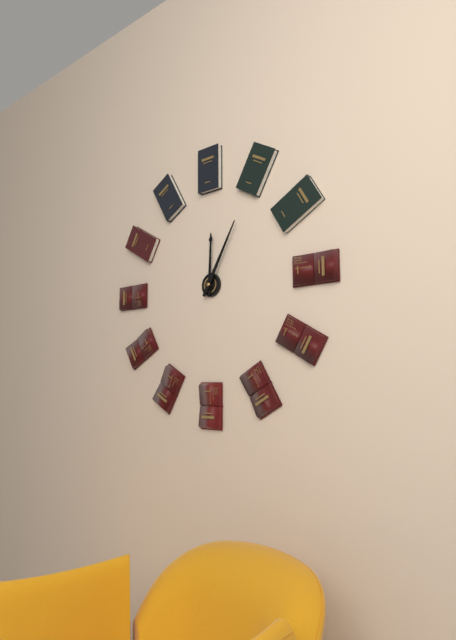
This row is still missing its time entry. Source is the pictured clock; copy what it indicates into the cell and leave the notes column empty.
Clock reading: 12:05
